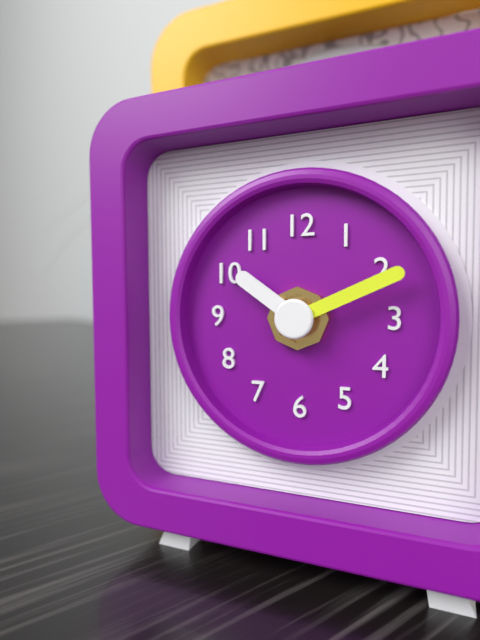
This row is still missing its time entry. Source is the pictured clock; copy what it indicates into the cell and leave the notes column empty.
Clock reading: 10:11
